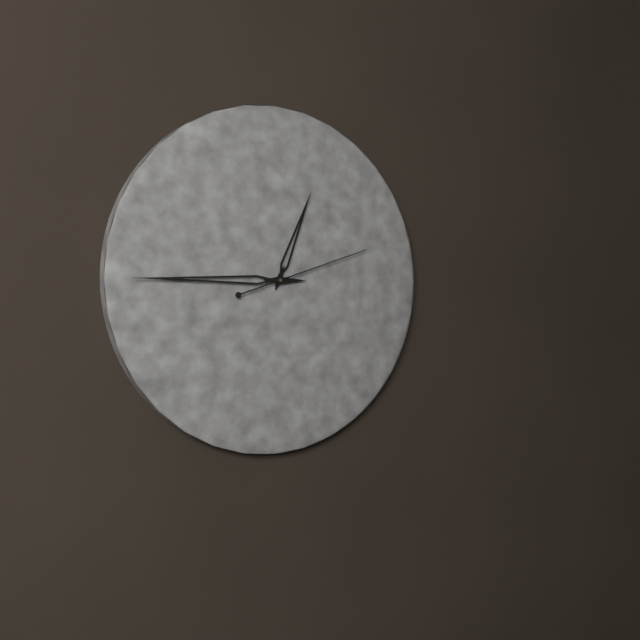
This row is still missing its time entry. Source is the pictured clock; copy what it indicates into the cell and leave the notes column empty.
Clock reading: 12:45:12
